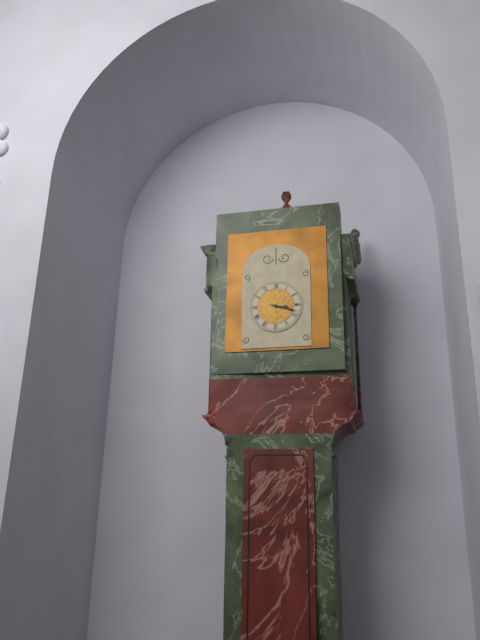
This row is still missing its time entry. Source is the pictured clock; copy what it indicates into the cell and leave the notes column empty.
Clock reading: 3:18
